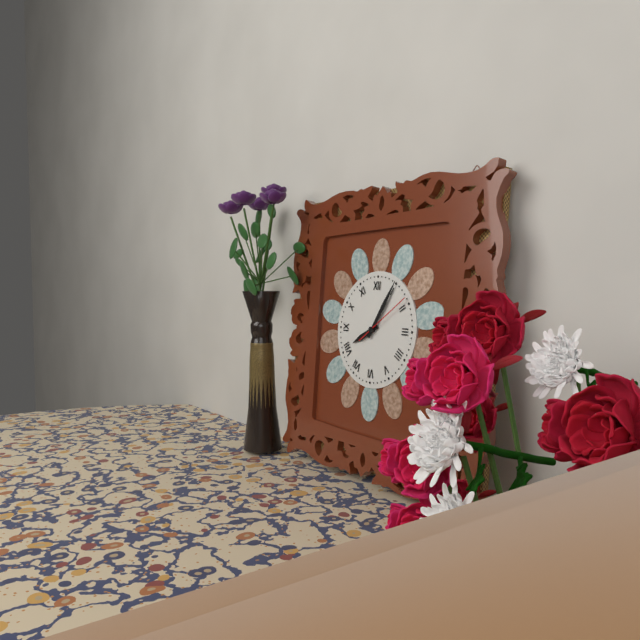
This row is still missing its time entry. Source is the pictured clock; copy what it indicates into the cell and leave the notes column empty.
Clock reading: 8:05:09
